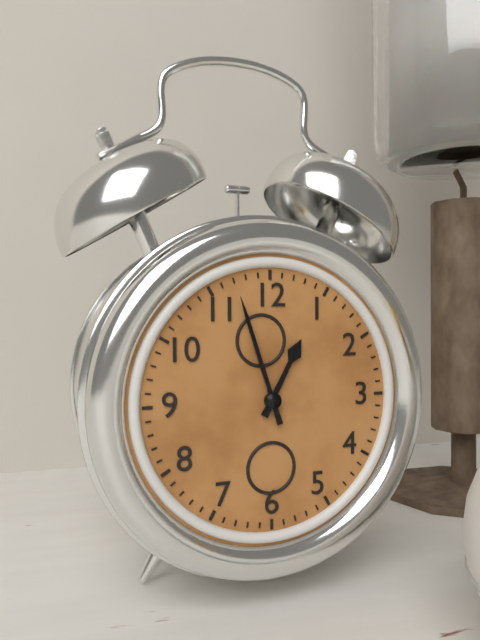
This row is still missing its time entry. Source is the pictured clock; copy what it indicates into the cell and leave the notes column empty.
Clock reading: 12:57
